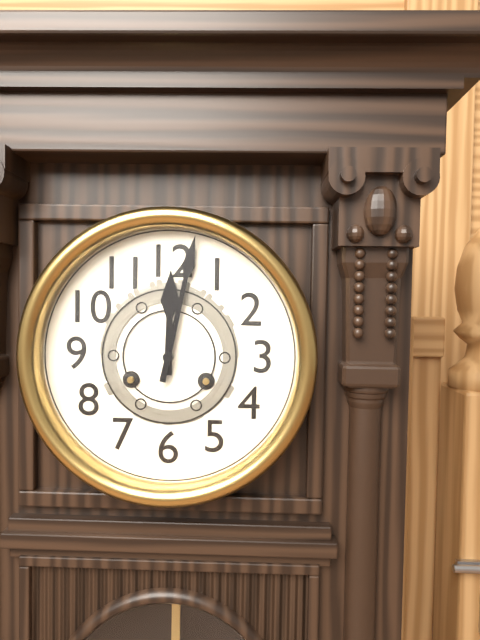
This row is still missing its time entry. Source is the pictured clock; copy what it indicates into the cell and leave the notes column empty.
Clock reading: 12:02
